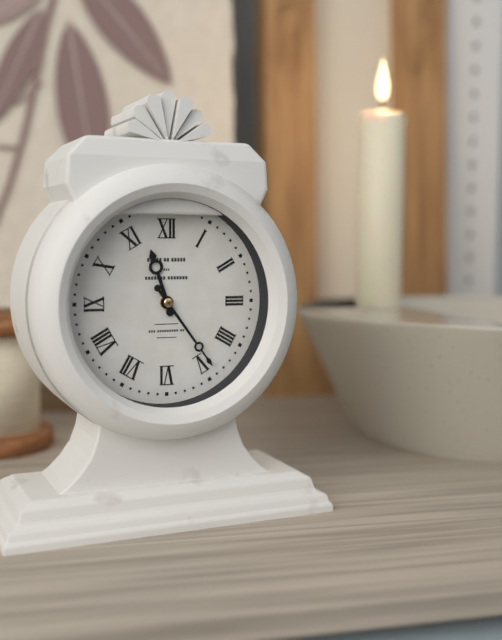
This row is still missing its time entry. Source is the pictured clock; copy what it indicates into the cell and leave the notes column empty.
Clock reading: 11:24
